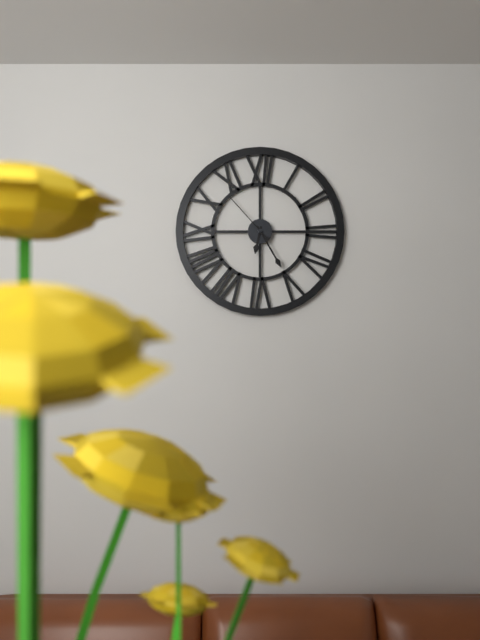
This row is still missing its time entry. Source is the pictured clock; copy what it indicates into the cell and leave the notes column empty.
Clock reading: 6:25:53
